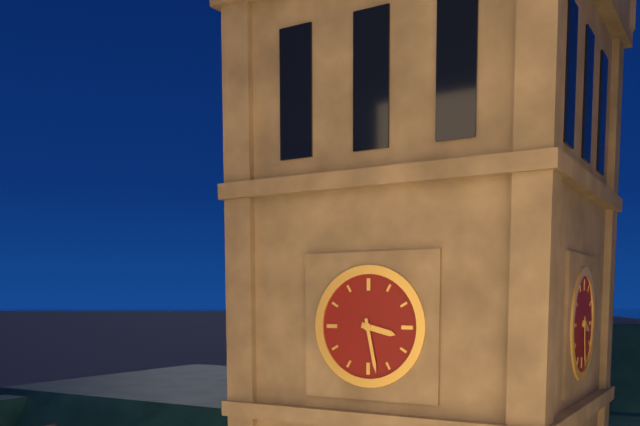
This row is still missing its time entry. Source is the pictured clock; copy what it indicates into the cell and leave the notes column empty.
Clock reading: 3:28
